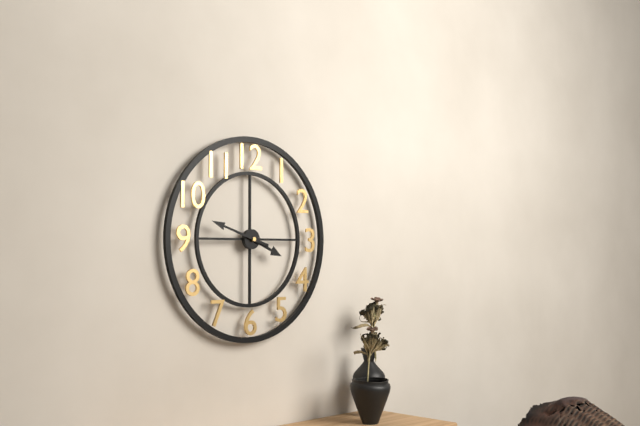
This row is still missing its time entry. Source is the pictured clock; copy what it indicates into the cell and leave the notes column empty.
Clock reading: 3:48
